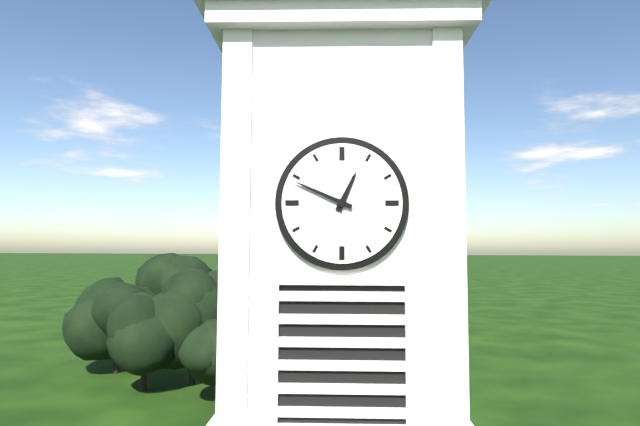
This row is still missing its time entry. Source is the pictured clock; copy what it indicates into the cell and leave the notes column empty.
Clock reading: 12:49
